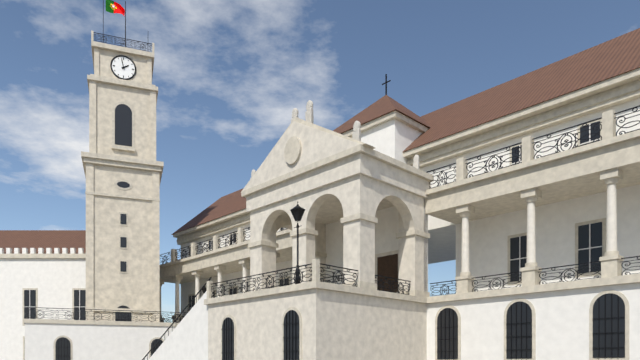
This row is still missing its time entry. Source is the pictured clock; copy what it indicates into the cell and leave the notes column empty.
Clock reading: 1:58
